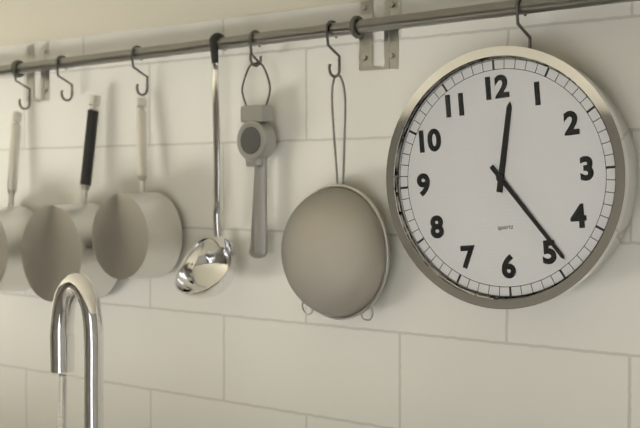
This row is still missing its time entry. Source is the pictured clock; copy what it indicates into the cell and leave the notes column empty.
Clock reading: 12:24
